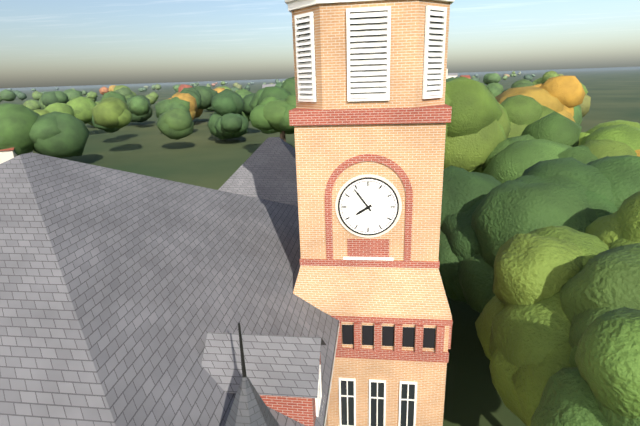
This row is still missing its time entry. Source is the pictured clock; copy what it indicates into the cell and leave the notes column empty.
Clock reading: 7:54
